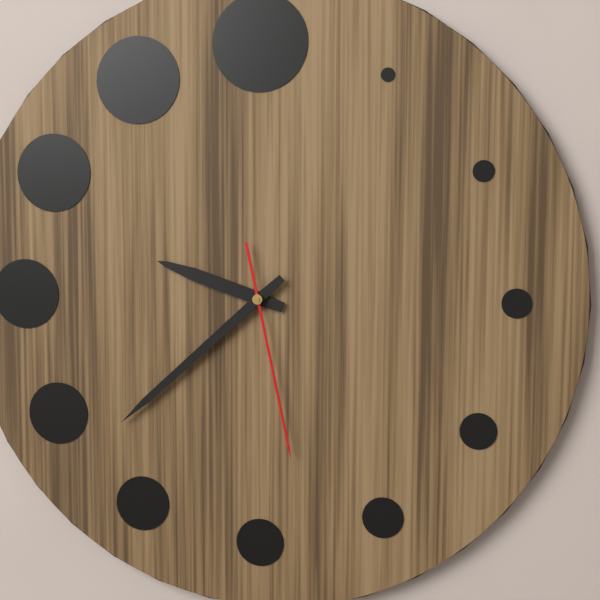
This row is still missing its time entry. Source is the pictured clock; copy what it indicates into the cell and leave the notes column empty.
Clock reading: 9:38:28
